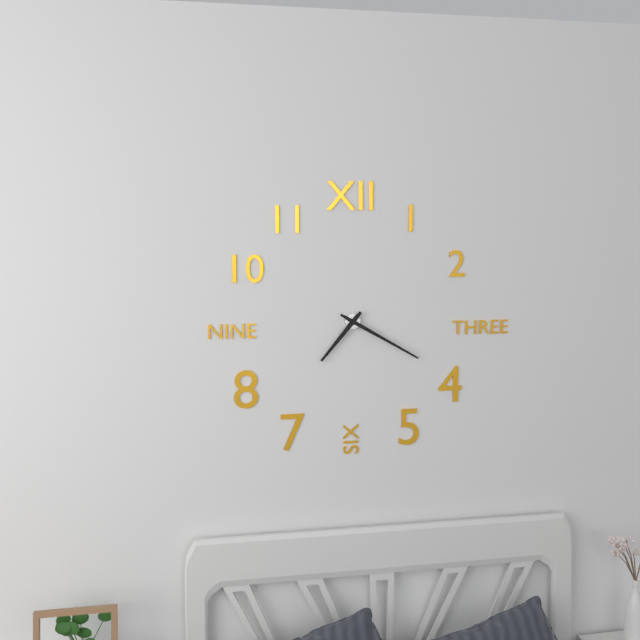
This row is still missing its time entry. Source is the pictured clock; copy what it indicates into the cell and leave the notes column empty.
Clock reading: 7:20
